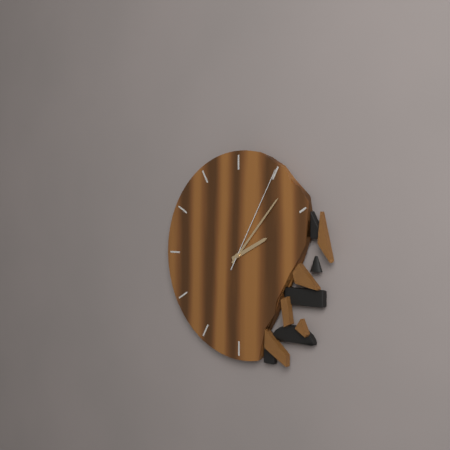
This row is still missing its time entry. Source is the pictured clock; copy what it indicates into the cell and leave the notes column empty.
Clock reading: 2:07:05
